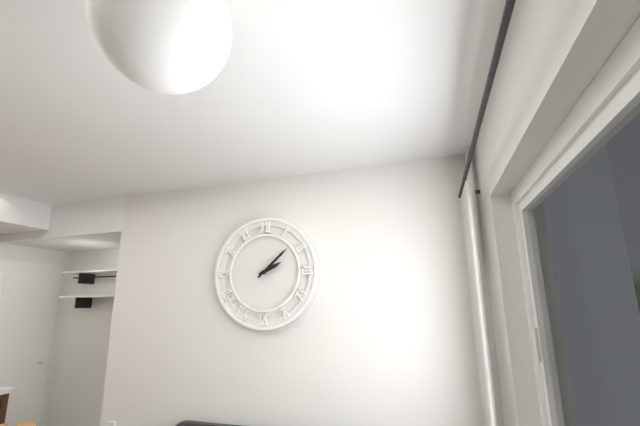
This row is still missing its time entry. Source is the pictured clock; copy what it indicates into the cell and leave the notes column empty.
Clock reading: 2:08
